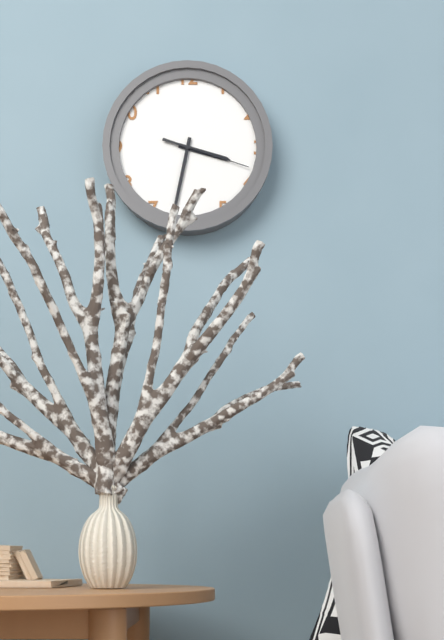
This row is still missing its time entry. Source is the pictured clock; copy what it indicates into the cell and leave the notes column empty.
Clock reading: 3:32:18
